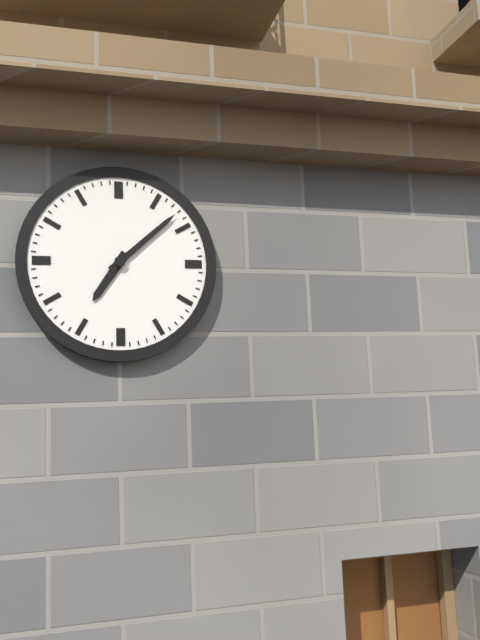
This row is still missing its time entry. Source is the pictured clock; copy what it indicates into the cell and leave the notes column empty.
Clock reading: 7:08
